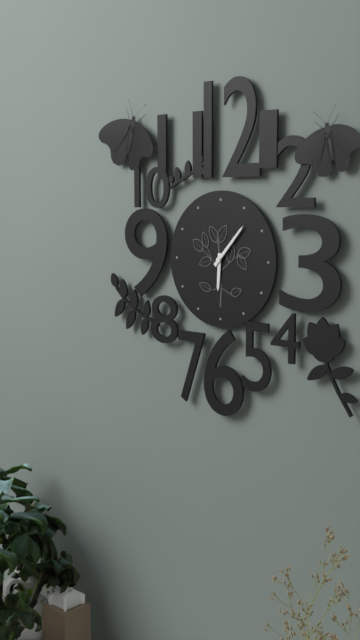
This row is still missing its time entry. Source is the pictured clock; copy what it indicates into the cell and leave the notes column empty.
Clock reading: 6:07
